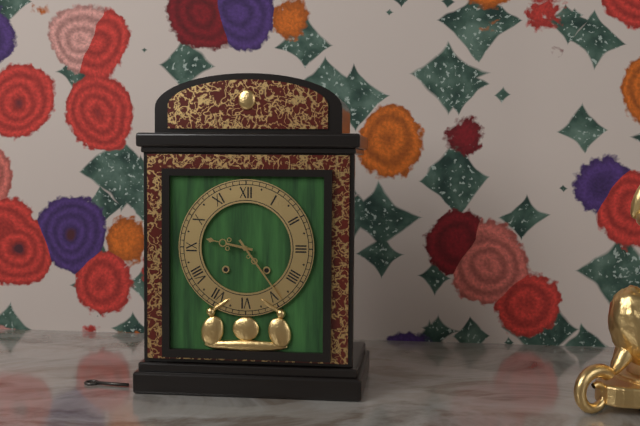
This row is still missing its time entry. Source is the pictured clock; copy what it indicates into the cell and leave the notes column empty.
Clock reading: 9:24
